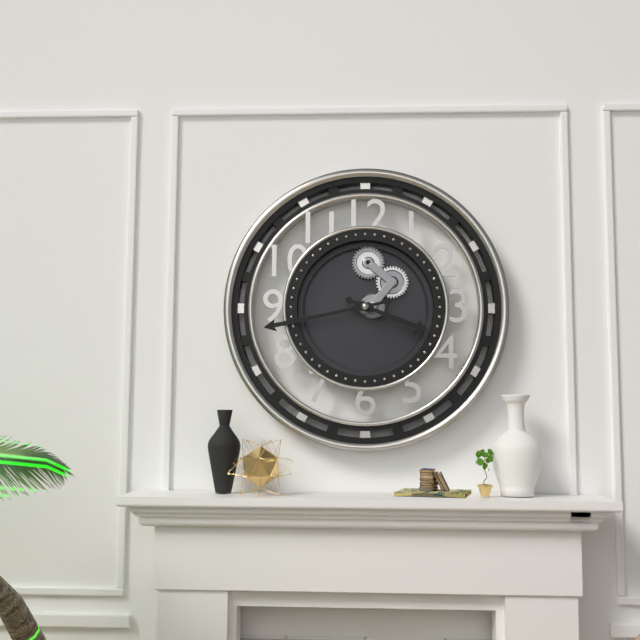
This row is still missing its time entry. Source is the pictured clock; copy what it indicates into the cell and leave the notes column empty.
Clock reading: 3:43
